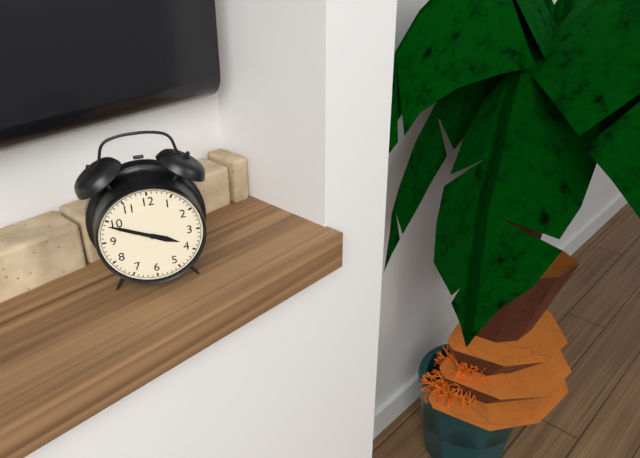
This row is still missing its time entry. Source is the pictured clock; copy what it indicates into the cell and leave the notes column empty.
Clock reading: 3:49
